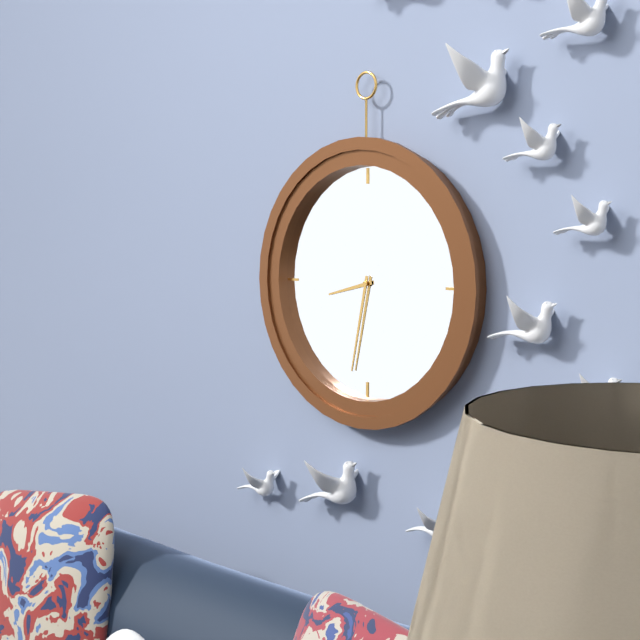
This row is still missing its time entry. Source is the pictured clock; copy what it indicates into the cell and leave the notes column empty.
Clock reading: 8:32
